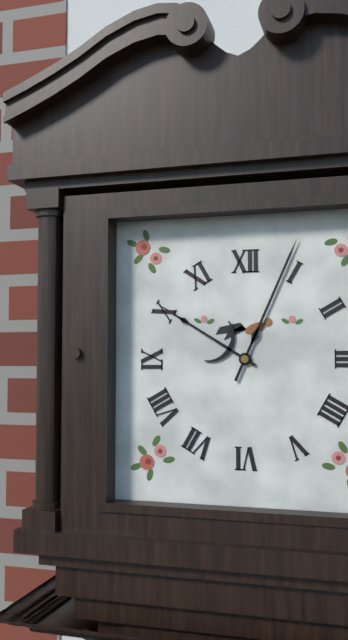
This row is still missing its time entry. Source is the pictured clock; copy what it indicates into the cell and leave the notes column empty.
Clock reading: 10:04
